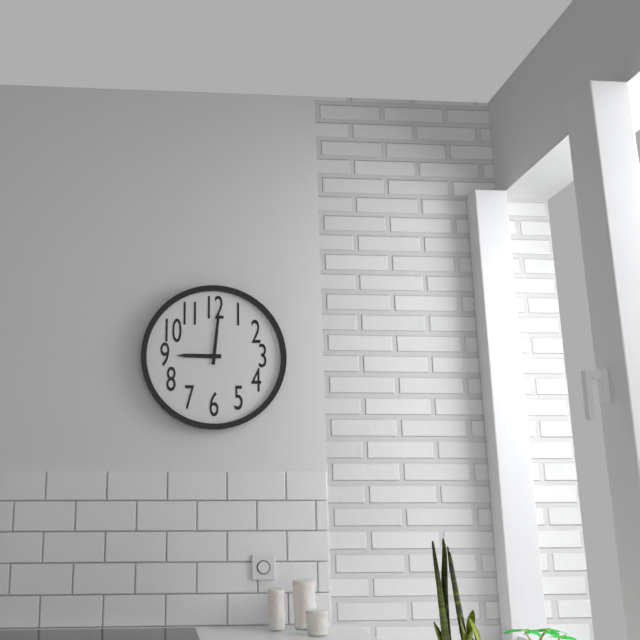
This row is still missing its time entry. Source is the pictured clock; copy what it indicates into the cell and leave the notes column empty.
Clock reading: 9:01
